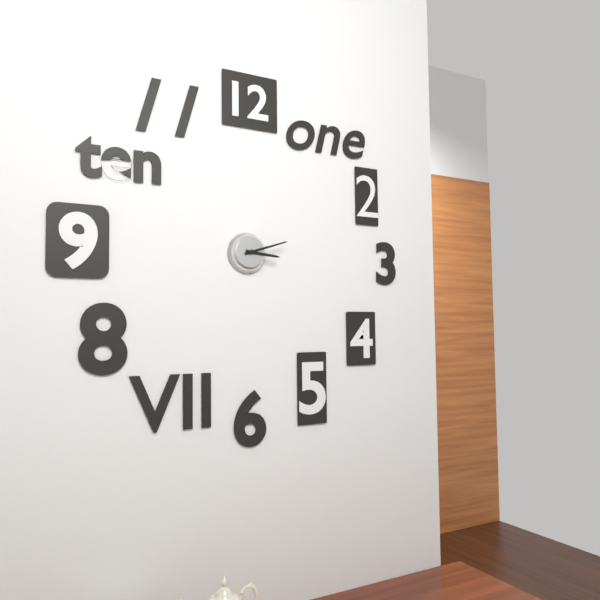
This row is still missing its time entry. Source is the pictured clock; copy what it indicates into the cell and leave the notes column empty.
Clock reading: 3:12
